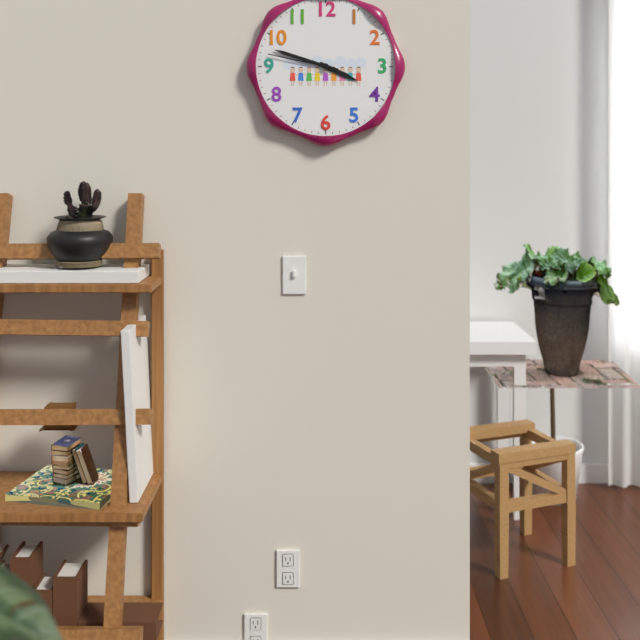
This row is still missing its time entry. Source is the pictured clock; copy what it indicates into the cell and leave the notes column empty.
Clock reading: 3:48:47
